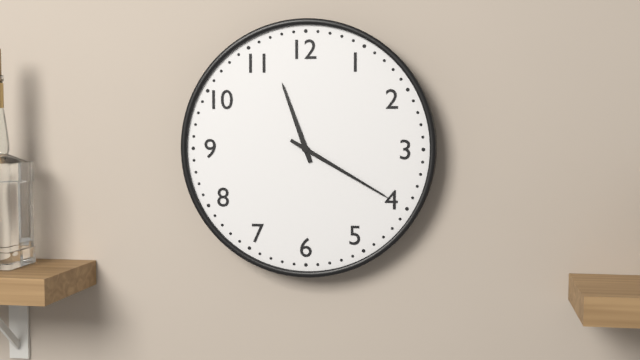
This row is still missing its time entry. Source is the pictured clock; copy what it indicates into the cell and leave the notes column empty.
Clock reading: 11:20
